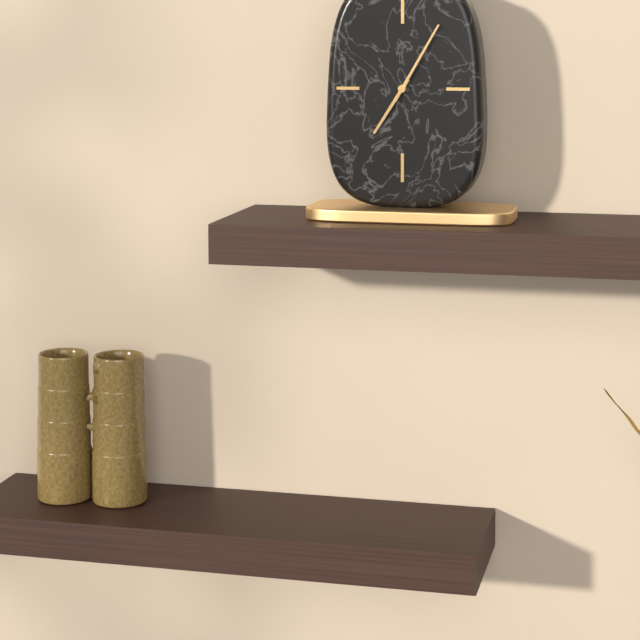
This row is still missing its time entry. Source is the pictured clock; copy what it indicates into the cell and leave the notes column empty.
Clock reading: 7:05
